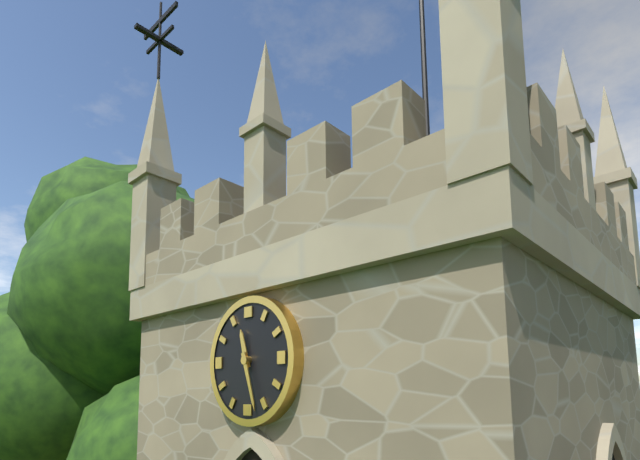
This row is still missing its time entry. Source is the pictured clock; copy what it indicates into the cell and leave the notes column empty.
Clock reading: 11:27
